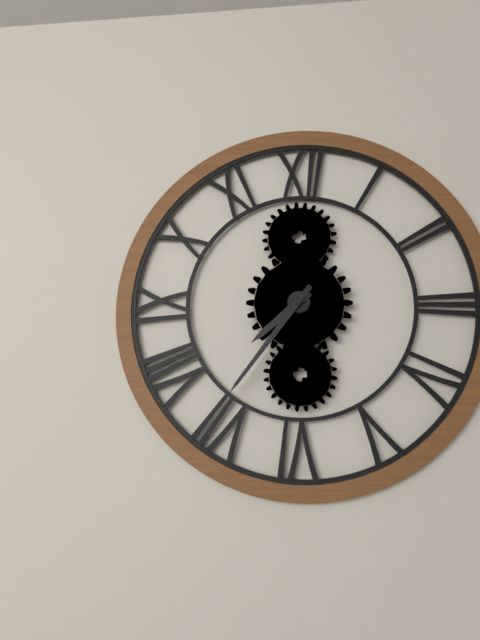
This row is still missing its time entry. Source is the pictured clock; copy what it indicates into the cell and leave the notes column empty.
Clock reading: 7:36
